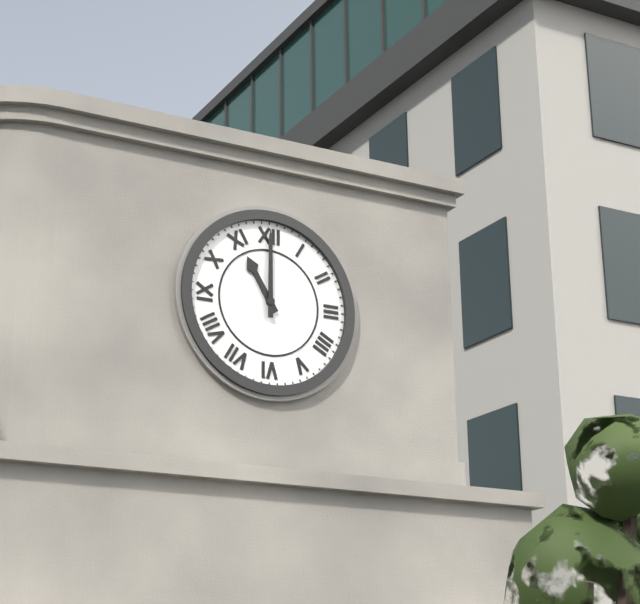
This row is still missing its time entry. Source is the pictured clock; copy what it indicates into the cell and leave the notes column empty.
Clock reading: 11:00
